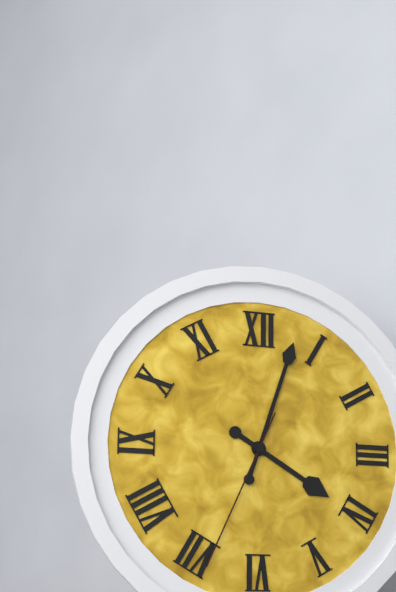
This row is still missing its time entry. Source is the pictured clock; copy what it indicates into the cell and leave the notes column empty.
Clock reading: 4:03:34
